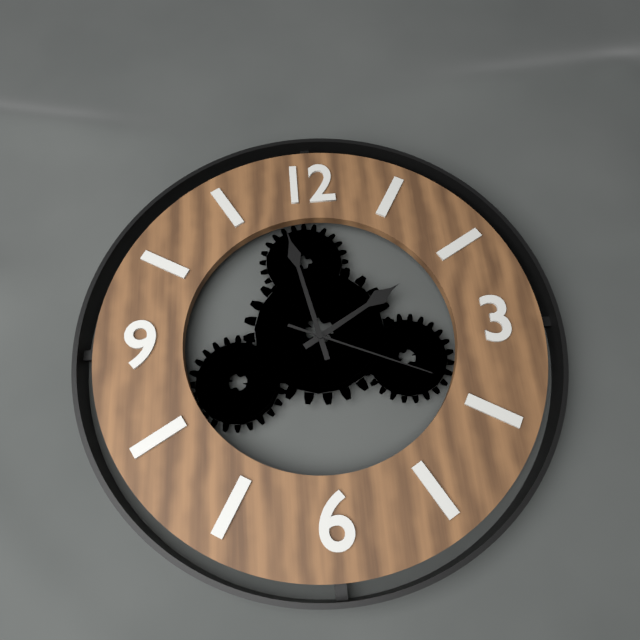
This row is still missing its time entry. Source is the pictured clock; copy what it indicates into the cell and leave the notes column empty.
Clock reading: 1:58:19
